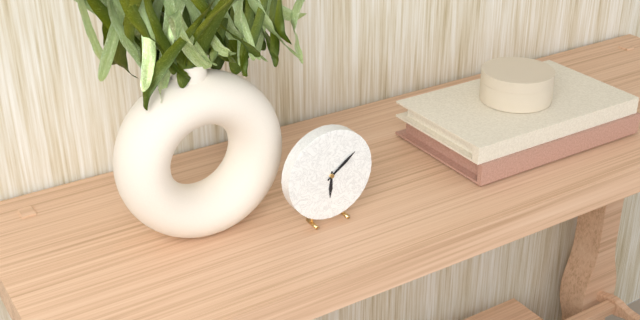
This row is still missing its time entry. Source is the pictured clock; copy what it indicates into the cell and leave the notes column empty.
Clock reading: 6:09
